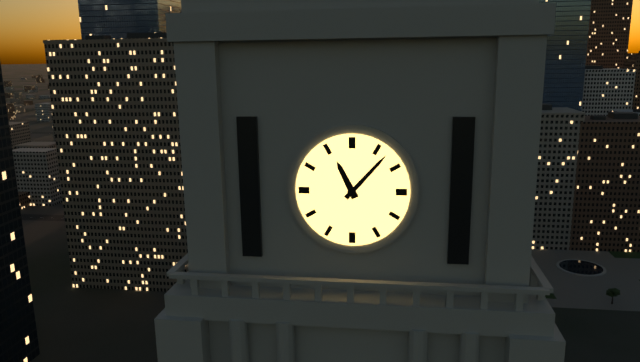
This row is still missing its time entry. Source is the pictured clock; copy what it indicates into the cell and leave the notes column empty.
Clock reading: 11:07
